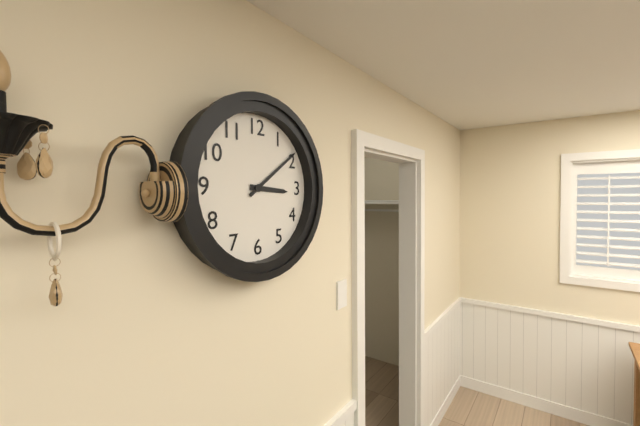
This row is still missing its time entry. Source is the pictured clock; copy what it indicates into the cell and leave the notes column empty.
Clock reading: 3:09
